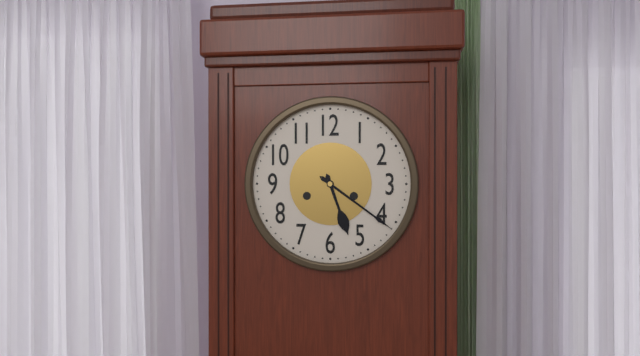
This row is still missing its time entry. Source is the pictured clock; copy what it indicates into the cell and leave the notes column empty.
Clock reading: 5:21
